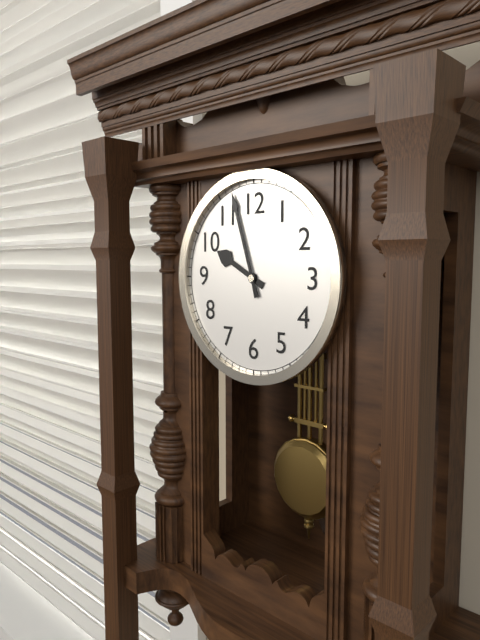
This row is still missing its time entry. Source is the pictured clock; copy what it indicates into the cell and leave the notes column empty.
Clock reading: 9:57
